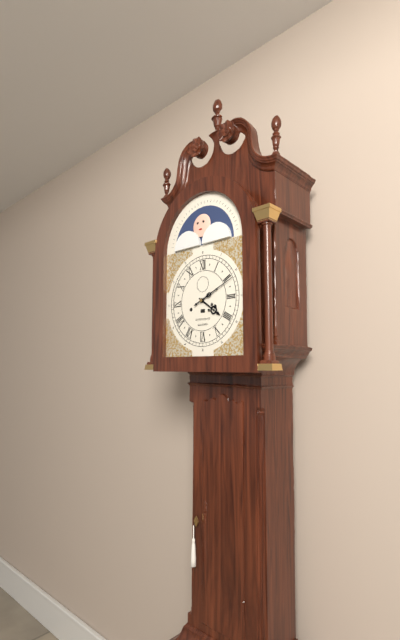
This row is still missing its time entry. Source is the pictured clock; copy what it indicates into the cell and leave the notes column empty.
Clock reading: 4:11
